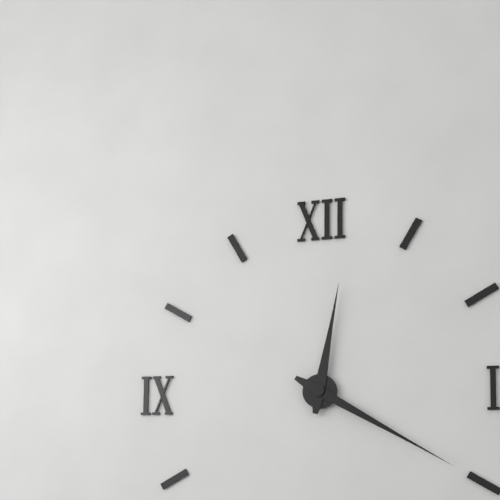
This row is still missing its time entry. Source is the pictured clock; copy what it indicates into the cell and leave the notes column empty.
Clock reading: 12:20
